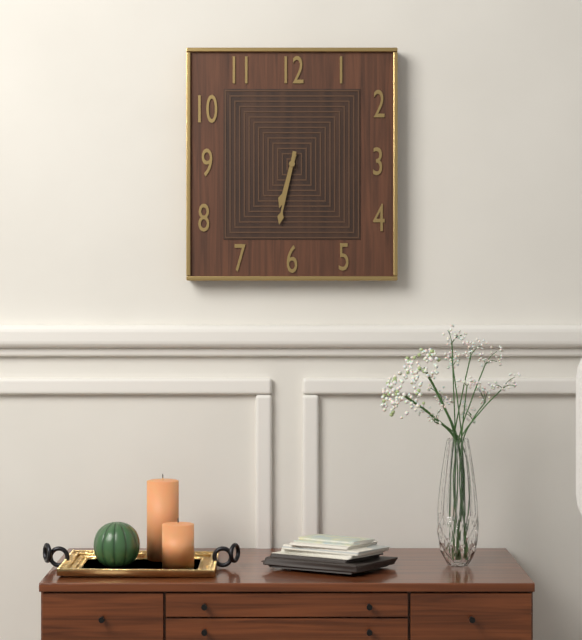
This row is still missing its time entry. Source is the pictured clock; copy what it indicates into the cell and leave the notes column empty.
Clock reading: 6:32
